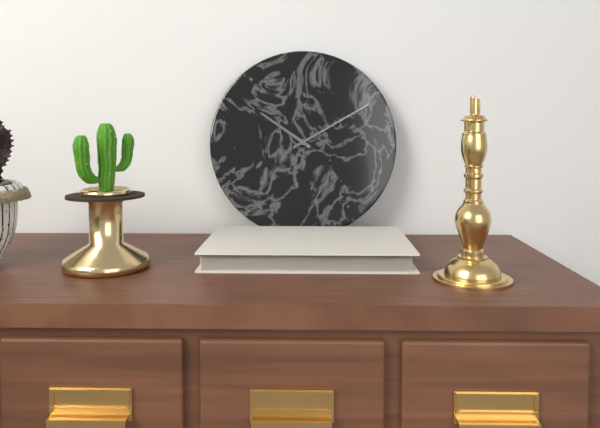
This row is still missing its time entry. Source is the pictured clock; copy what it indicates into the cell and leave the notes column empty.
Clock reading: 10:10
